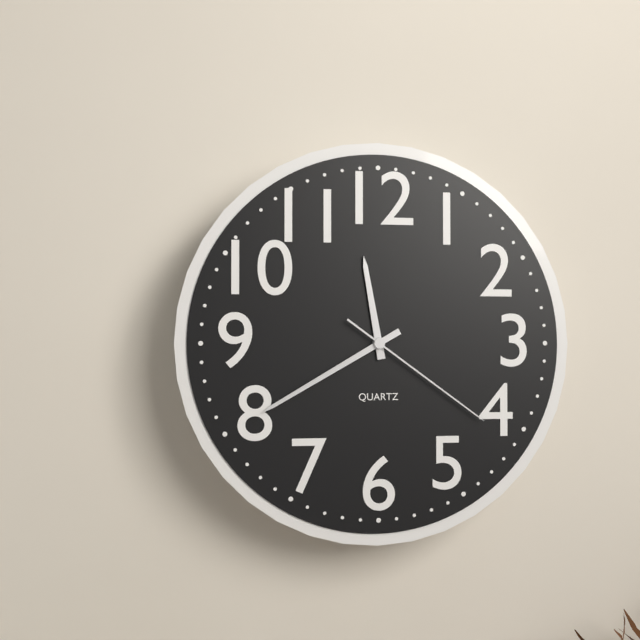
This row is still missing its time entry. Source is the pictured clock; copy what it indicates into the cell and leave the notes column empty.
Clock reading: 11:40:21
